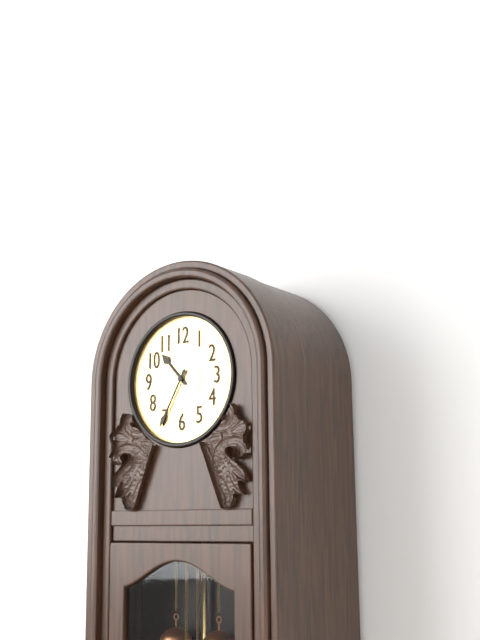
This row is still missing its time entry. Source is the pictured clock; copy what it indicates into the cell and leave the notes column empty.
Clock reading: 10:35
